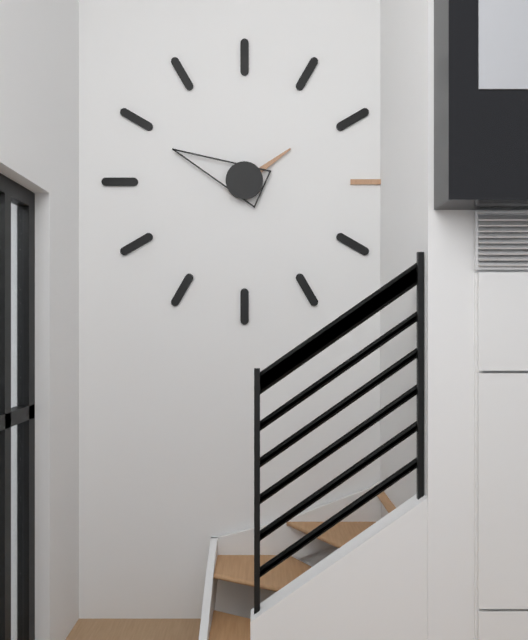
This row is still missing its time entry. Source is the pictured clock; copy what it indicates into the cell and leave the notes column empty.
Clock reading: 1:49
